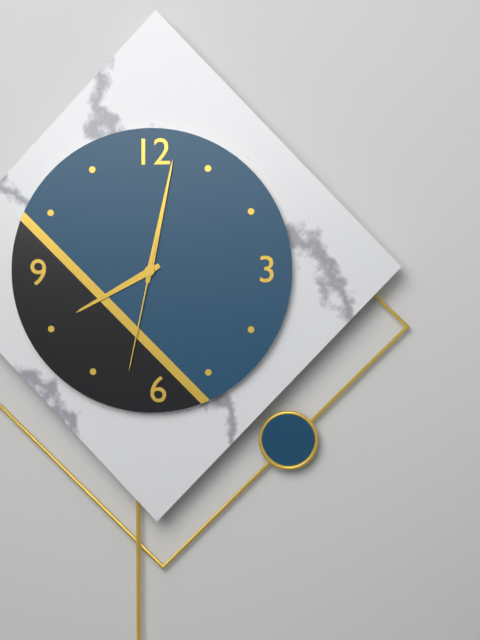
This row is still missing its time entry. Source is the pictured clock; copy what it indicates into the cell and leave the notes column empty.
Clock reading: 8:02:32
